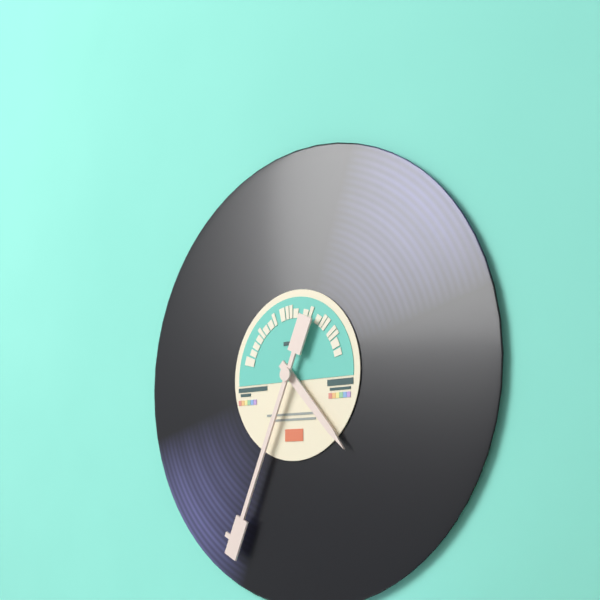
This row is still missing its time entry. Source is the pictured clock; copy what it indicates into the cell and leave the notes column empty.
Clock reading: 4:34
